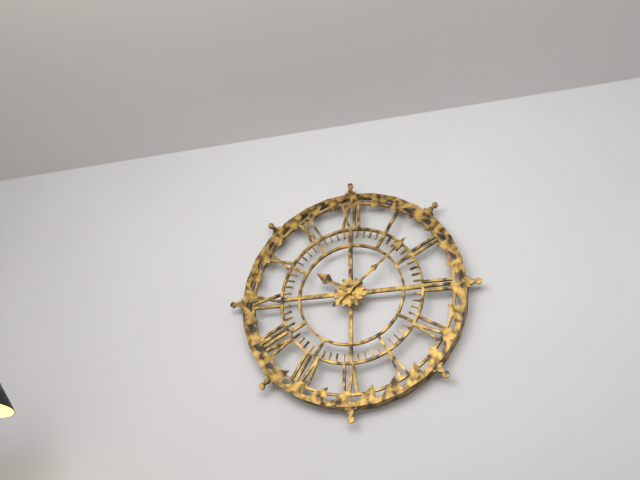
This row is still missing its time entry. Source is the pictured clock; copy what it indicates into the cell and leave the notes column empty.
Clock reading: 10:08
